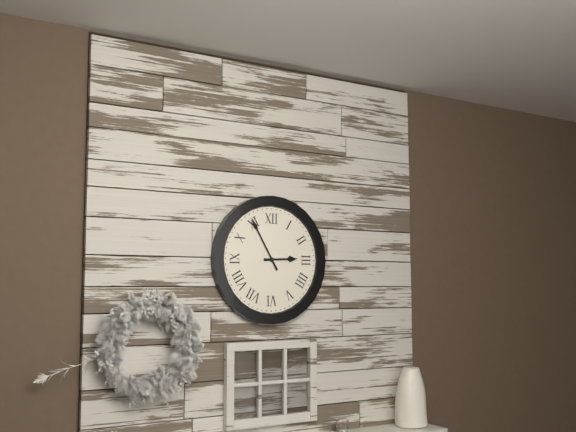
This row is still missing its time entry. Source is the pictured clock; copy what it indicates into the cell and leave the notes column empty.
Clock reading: 2:55
